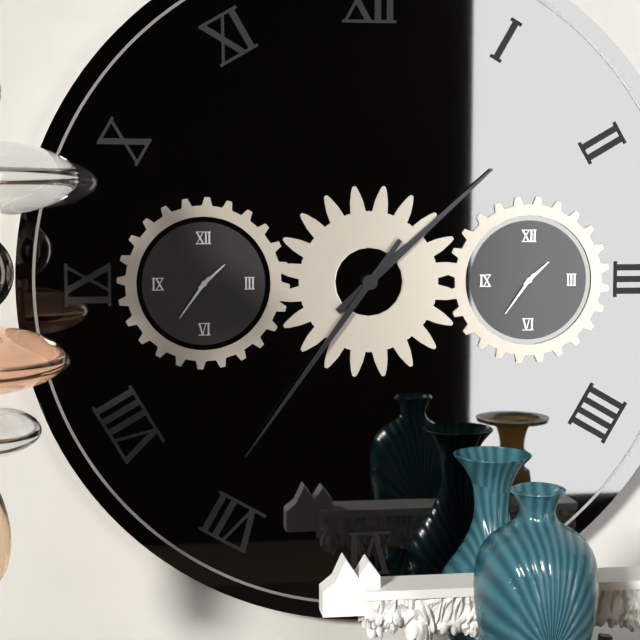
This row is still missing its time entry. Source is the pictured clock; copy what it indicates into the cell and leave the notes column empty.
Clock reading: 1:36
